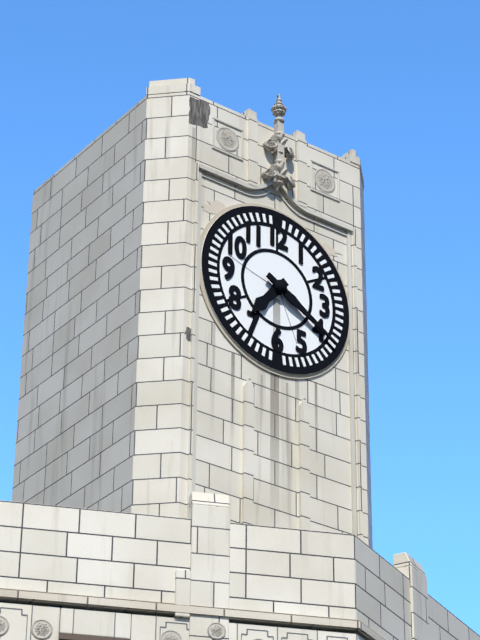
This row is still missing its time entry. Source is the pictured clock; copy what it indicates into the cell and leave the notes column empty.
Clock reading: 7:20
